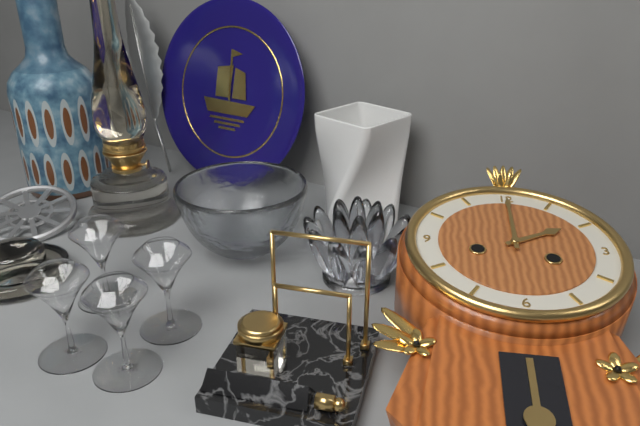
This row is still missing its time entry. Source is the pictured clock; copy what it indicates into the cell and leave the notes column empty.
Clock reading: 2:00
